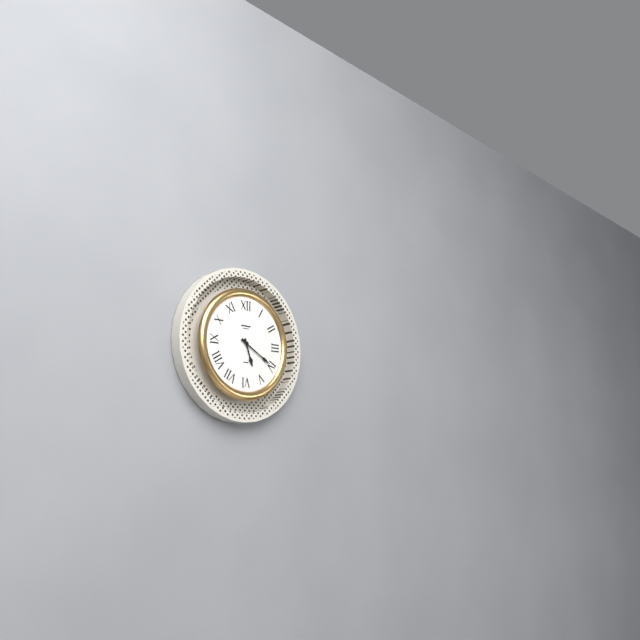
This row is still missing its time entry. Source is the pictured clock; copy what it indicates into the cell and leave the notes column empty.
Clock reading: 5:20
